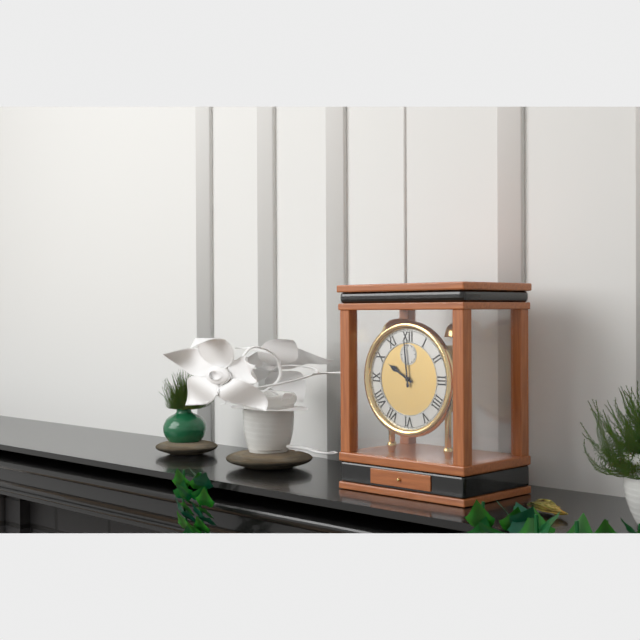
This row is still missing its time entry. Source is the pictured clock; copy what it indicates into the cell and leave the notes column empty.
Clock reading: 9:59
